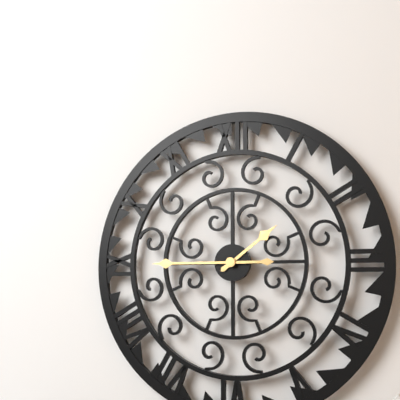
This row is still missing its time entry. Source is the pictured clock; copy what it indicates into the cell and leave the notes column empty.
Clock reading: 1:45
